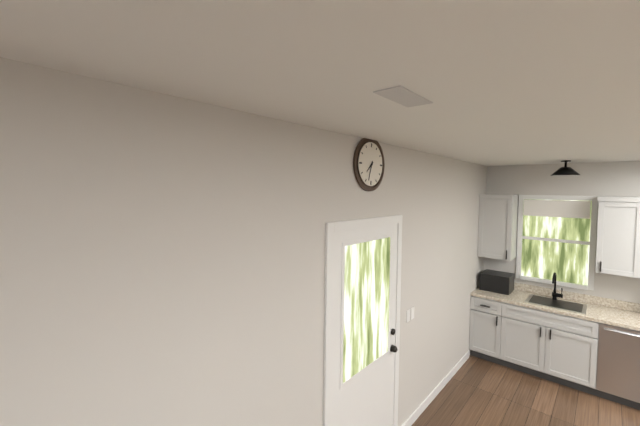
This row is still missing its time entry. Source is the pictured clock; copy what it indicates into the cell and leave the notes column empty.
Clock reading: 7:33
